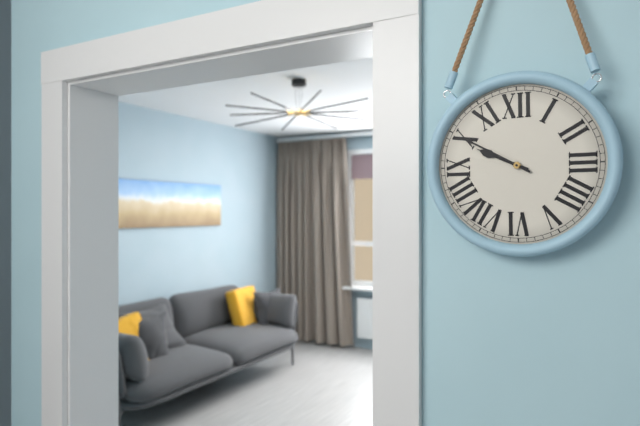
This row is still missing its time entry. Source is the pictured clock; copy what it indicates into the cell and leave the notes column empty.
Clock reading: 9:50
